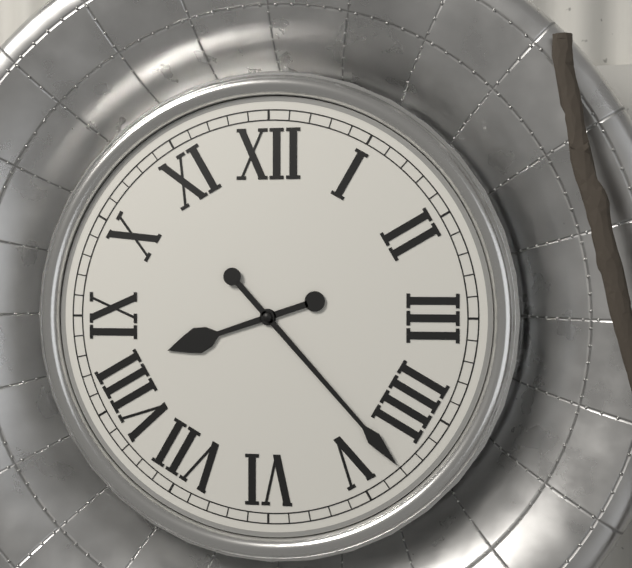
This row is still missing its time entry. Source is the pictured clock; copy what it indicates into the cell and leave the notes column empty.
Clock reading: 8:23
